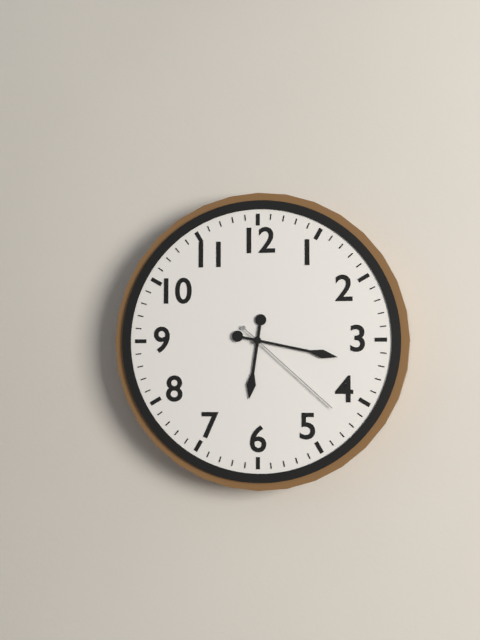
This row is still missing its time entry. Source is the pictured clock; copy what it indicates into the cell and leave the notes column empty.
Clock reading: 6:17:22
